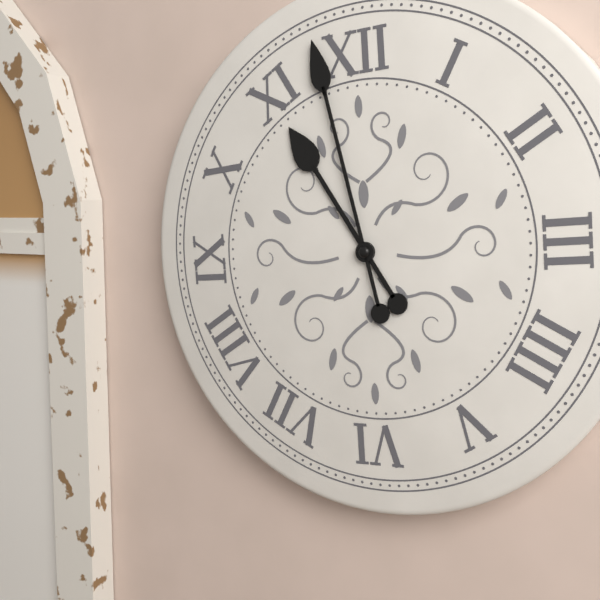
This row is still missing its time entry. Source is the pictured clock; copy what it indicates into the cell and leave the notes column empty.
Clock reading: 10:58
